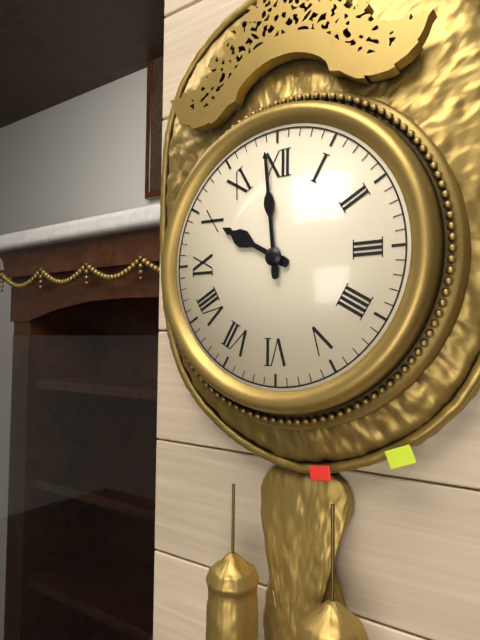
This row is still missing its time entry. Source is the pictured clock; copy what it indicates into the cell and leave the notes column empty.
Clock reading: 9:59
